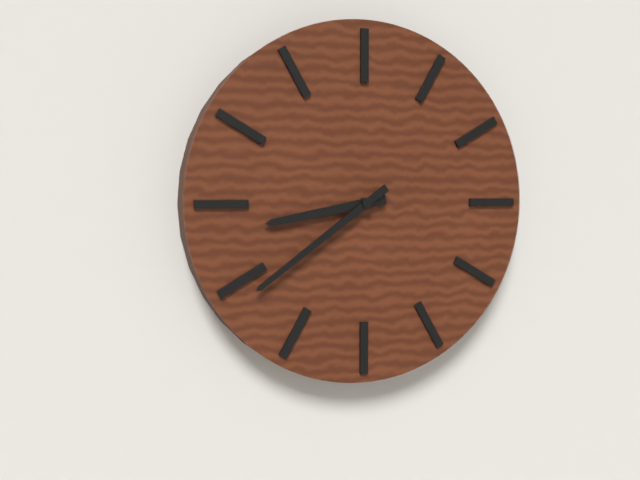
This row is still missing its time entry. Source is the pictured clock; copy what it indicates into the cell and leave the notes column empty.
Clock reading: 8:39
